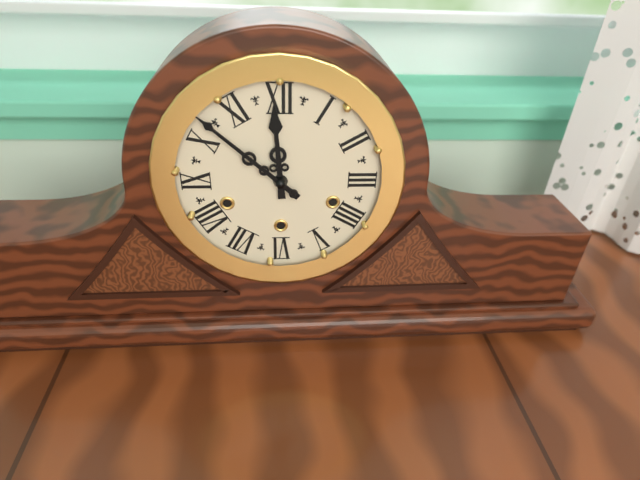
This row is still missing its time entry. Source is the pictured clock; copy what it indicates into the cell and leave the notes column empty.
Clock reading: 11:52
